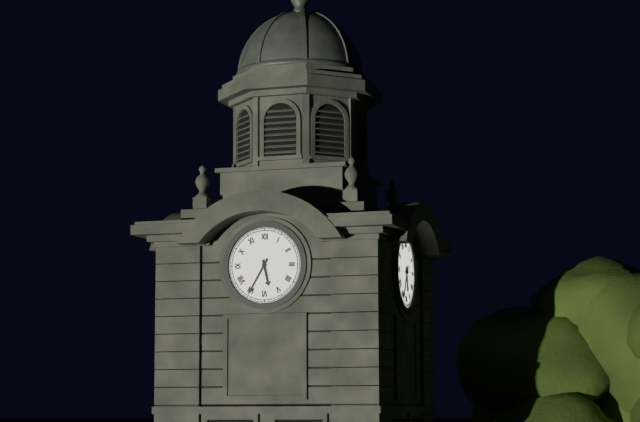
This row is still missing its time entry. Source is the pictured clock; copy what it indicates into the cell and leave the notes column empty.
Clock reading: 5:35
